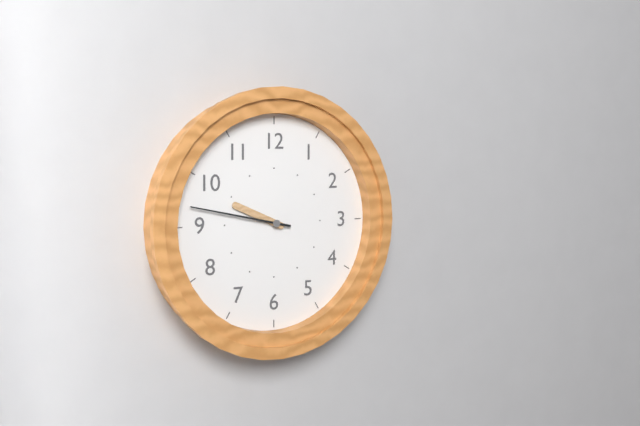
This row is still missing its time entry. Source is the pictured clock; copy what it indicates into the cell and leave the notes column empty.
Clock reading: 9:47
